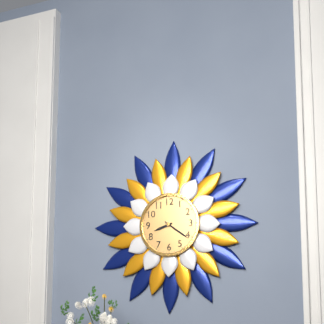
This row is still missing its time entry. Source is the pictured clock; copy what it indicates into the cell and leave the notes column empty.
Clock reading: 8:21
